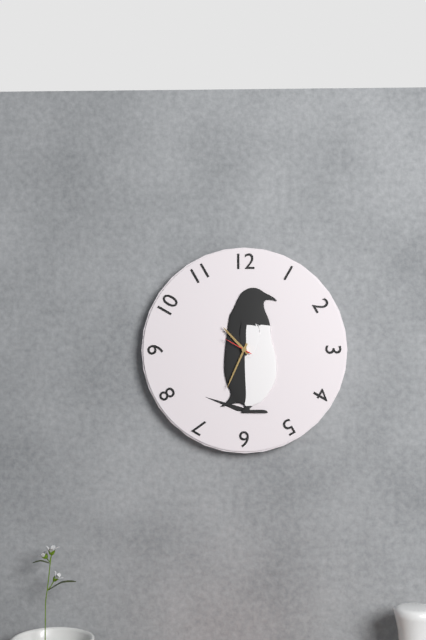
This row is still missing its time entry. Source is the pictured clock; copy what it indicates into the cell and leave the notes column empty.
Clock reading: 10:34
